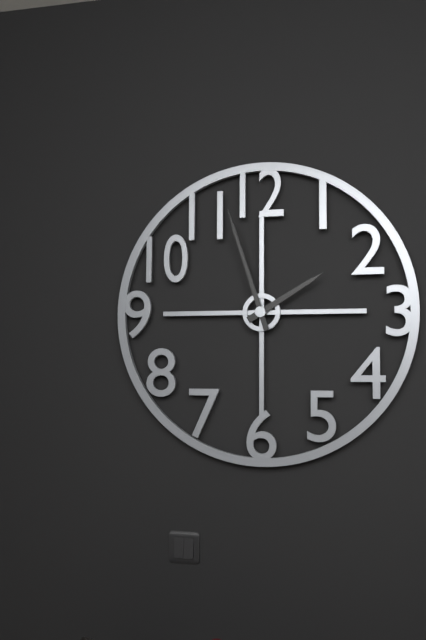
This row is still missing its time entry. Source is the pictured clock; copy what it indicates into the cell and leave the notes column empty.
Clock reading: 1:57
